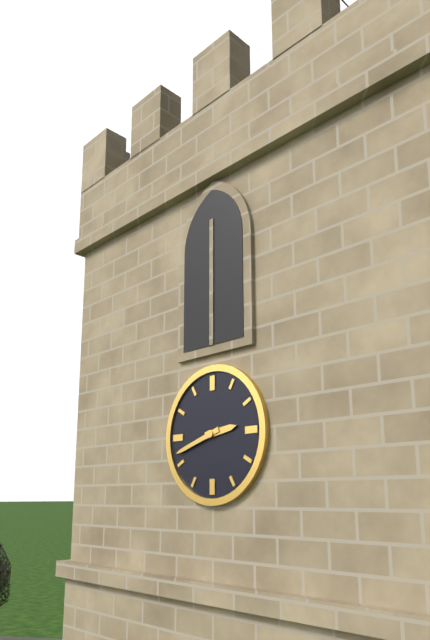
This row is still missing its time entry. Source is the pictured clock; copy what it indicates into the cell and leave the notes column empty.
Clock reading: 2:42
